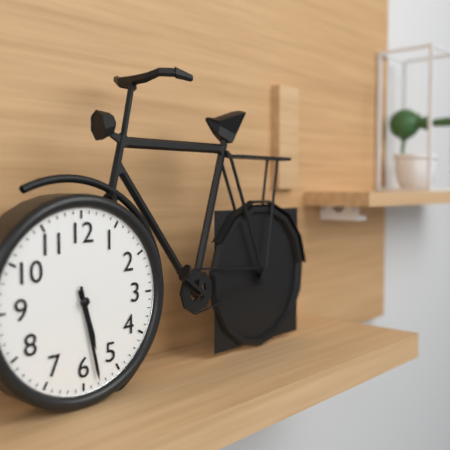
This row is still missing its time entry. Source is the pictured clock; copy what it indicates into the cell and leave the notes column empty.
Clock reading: 5:28
